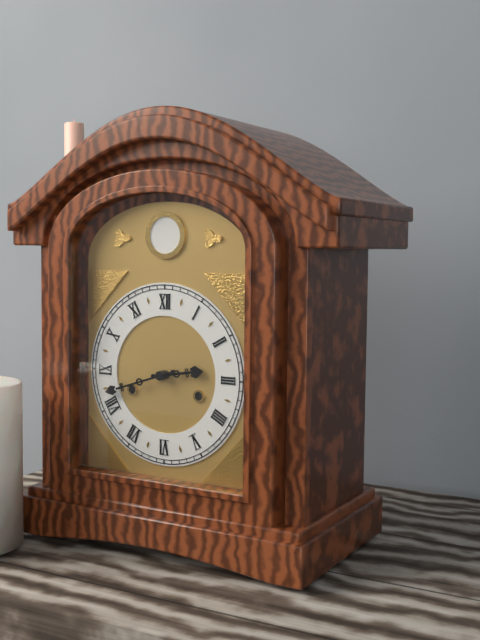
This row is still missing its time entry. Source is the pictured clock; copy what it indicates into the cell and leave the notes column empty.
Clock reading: 2:42
